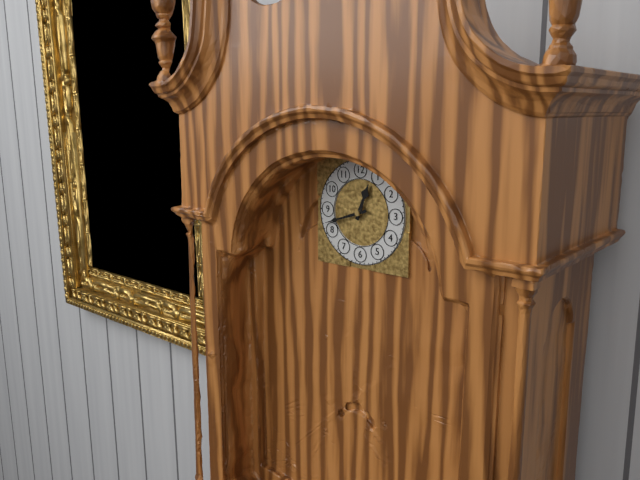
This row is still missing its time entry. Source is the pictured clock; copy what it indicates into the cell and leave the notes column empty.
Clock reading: 12:42
